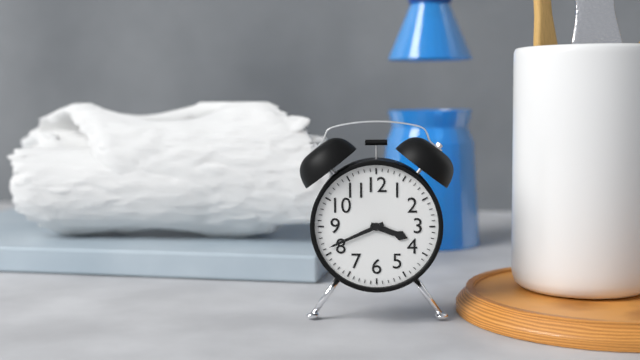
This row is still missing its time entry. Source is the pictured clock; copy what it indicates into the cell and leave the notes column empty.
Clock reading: 3:41
